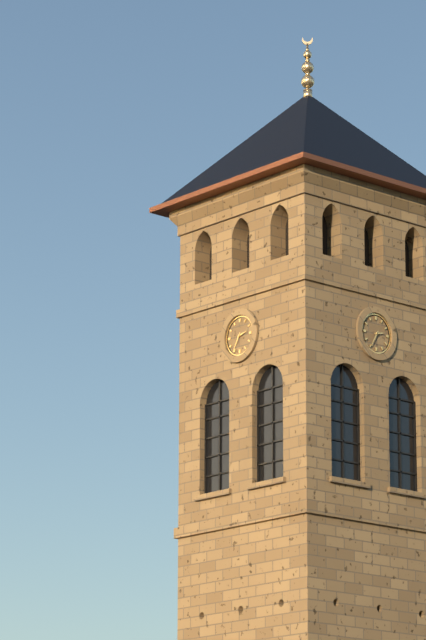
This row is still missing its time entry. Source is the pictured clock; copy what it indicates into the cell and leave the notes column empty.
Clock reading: 2:35
